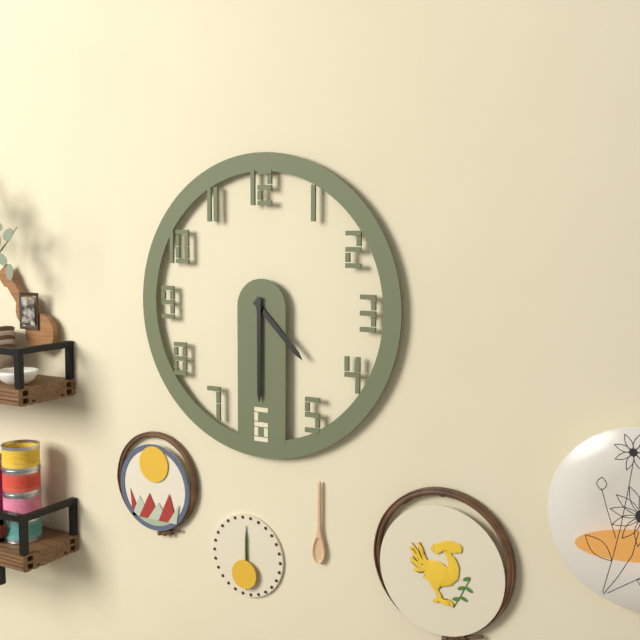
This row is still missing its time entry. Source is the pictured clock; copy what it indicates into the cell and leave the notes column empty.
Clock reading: 4:30
